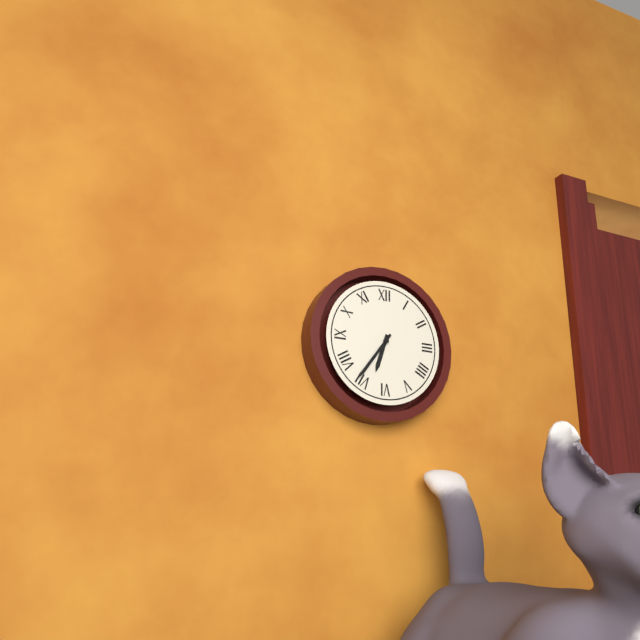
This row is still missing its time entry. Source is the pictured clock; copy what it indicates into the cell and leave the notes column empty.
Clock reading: 6:36
